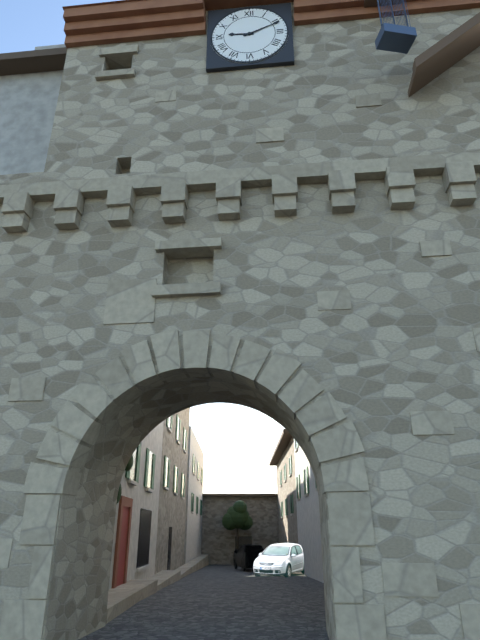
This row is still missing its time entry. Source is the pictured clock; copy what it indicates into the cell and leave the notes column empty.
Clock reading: 9:11
